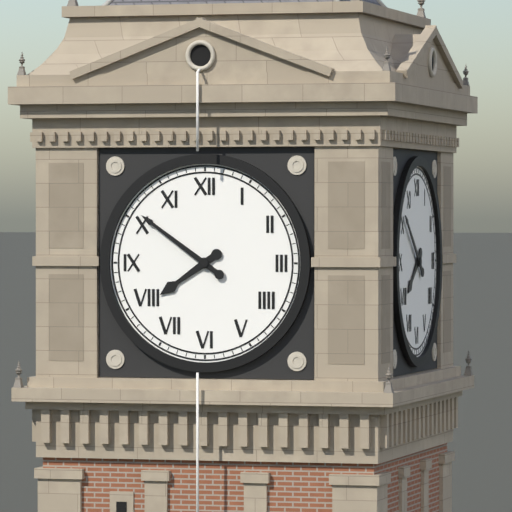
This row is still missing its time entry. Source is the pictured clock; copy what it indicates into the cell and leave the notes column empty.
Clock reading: 7:51
